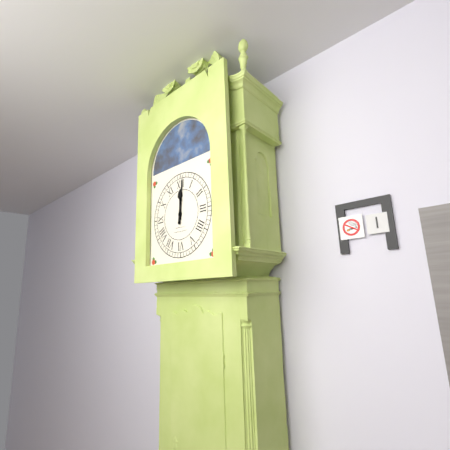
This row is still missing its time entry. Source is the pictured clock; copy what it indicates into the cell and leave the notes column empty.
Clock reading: 12:01
